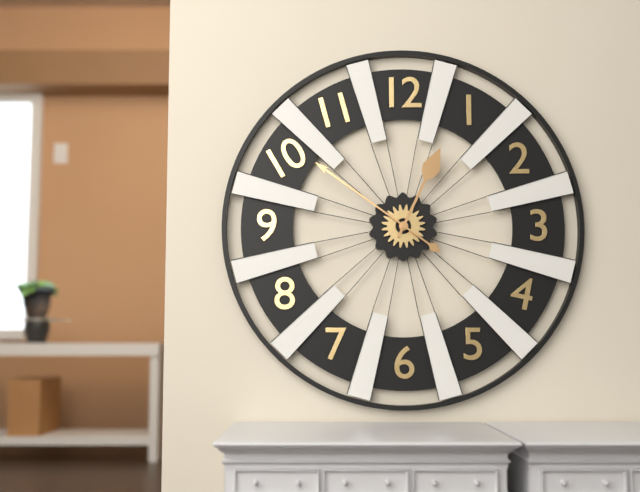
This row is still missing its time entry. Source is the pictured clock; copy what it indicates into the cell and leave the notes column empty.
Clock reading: 12:51
